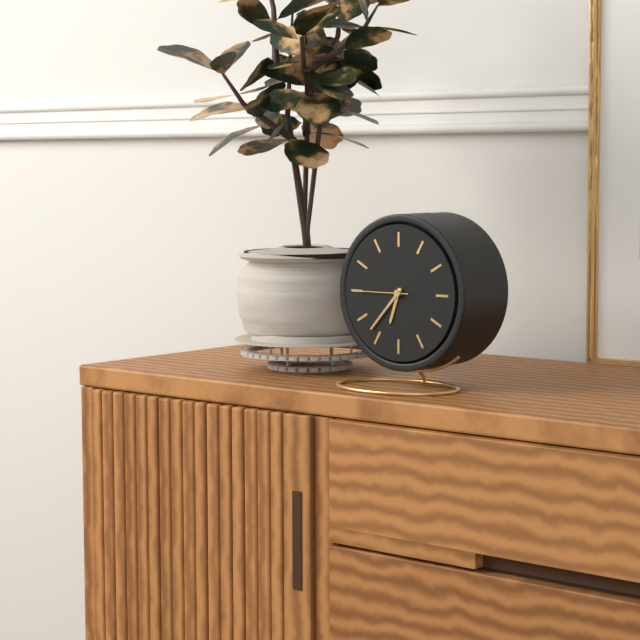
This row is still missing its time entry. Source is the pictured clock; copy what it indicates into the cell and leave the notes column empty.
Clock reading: 6:37:45
